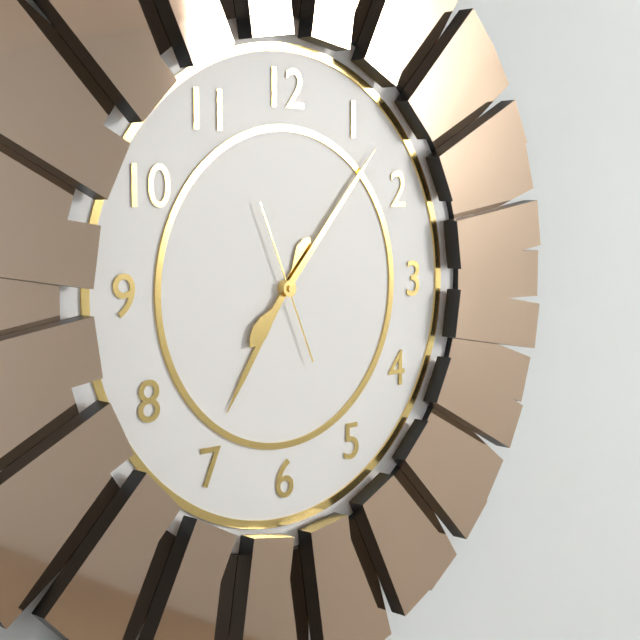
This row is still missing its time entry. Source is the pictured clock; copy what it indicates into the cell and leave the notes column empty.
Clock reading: 7:07:56
